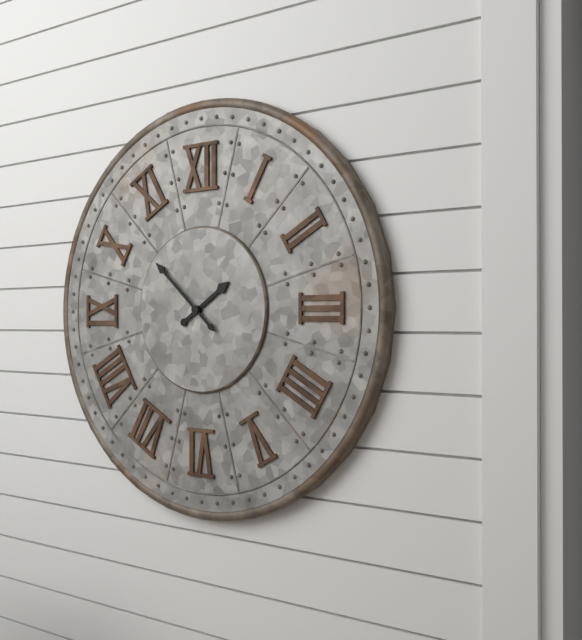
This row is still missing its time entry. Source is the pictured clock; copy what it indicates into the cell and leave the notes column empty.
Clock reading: 1:52
